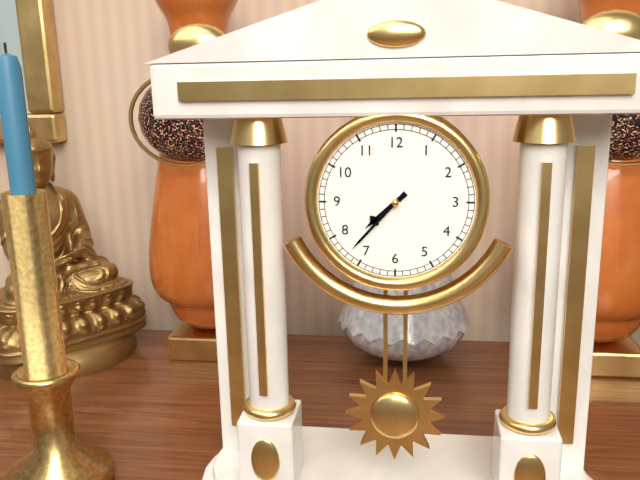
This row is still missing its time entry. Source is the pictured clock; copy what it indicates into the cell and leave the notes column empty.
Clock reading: 7:37
